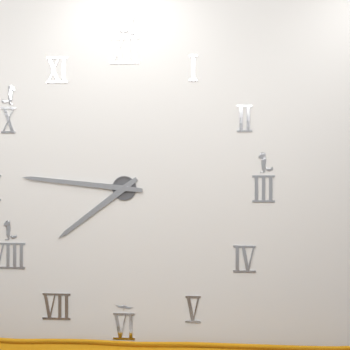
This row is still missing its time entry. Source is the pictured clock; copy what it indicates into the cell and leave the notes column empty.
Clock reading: 7:46
